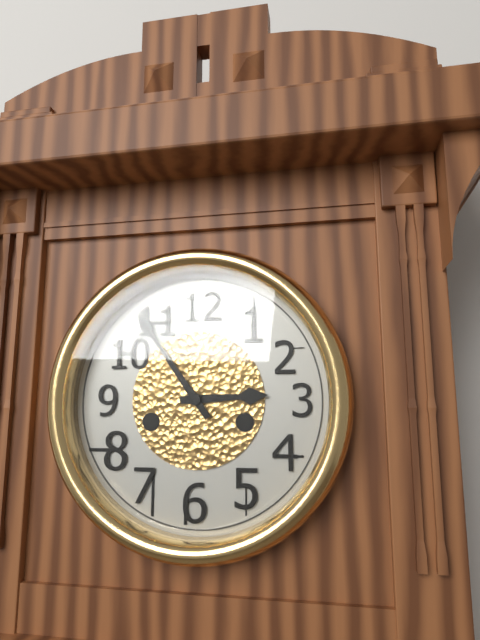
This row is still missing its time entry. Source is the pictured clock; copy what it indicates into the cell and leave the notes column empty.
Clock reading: 2:54
